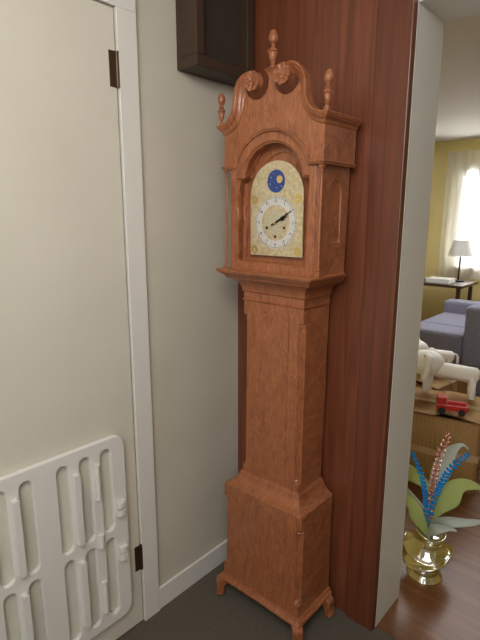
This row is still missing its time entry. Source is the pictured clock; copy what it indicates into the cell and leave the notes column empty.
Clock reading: 2:10
